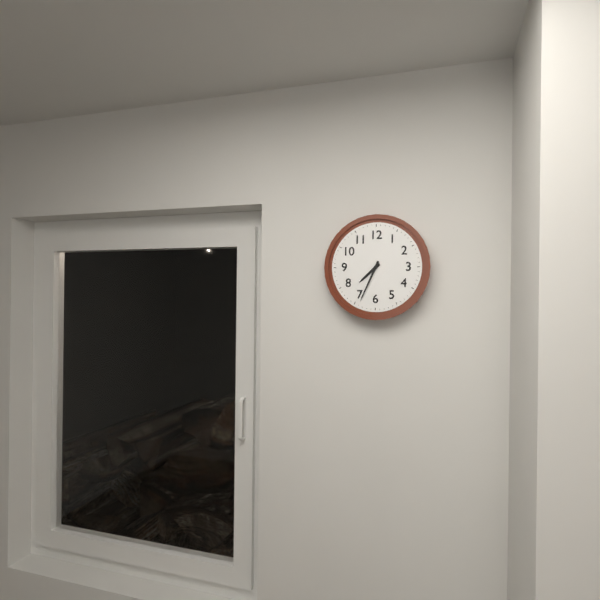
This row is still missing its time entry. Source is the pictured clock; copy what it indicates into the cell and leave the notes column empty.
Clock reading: 7:34
